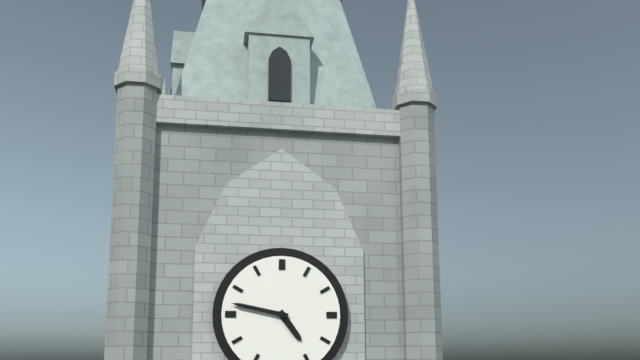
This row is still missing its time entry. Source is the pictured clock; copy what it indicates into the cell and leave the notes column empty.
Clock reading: 4:47
